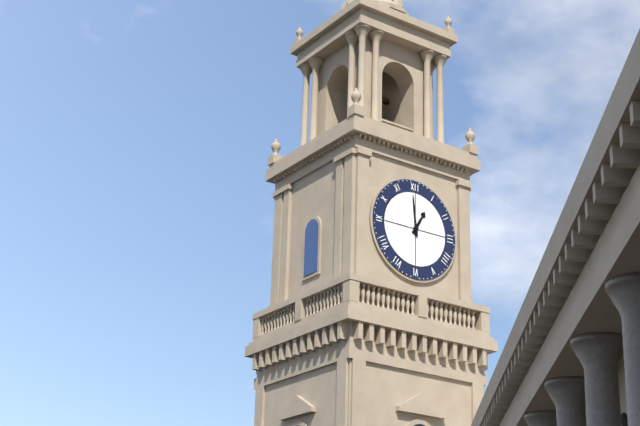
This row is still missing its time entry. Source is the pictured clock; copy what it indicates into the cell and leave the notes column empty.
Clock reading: 12:59
